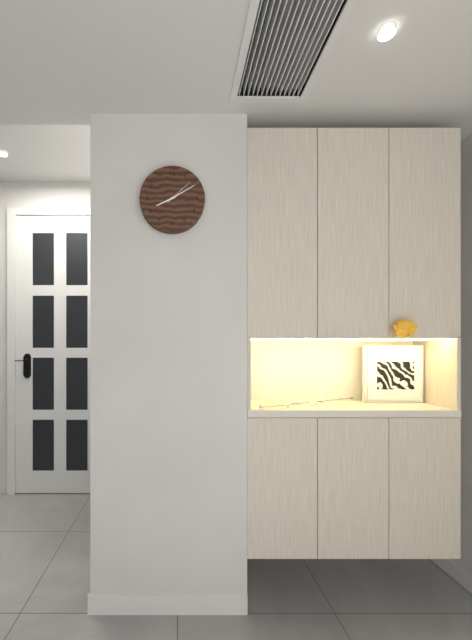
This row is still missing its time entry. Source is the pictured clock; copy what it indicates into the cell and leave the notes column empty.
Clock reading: 8:10
